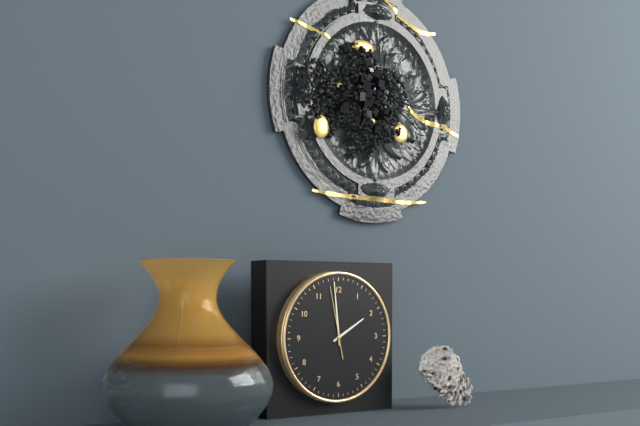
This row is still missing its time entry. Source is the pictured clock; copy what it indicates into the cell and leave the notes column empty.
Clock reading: 1:59:58
